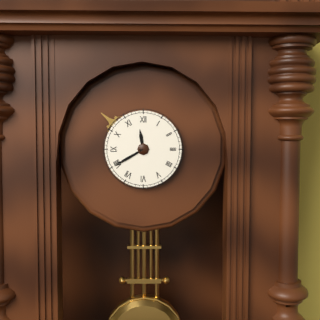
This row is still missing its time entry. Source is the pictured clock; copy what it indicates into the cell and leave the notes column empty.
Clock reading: 11:40
